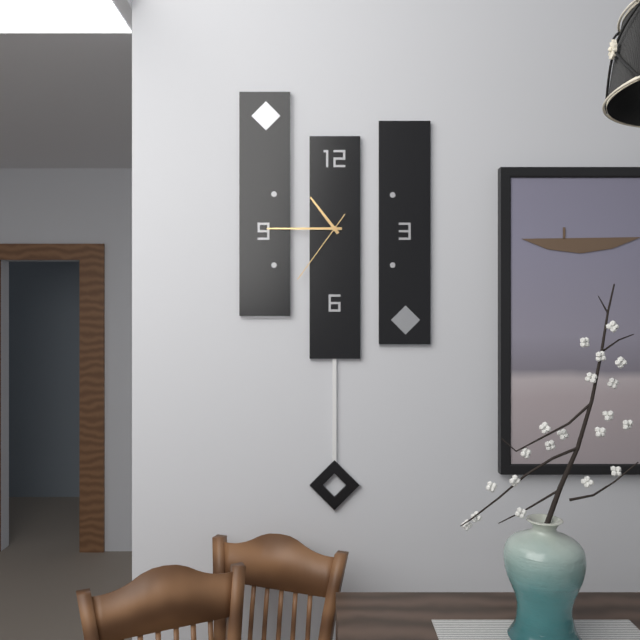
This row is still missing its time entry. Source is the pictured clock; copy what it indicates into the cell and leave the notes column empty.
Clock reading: 10:45:36
